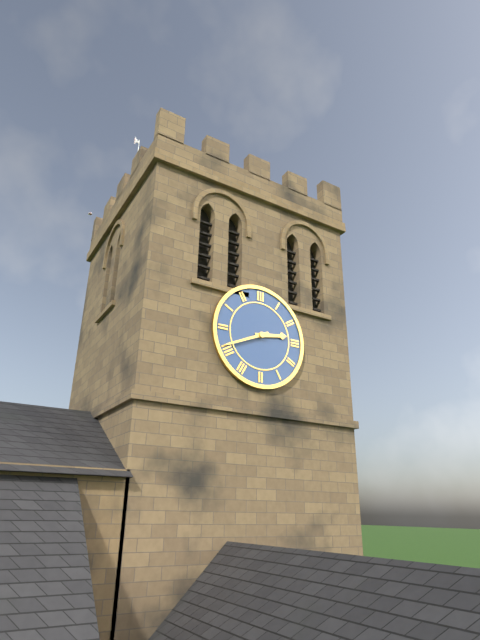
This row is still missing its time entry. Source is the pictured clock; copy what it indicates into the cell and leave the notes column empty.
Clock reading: 2:41
